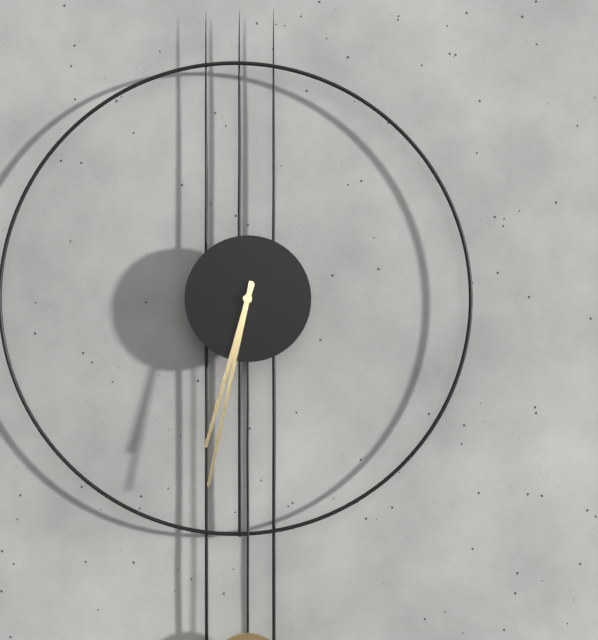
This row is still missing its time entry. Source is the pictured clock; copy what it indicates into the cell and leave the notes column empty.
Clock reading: 6:32
